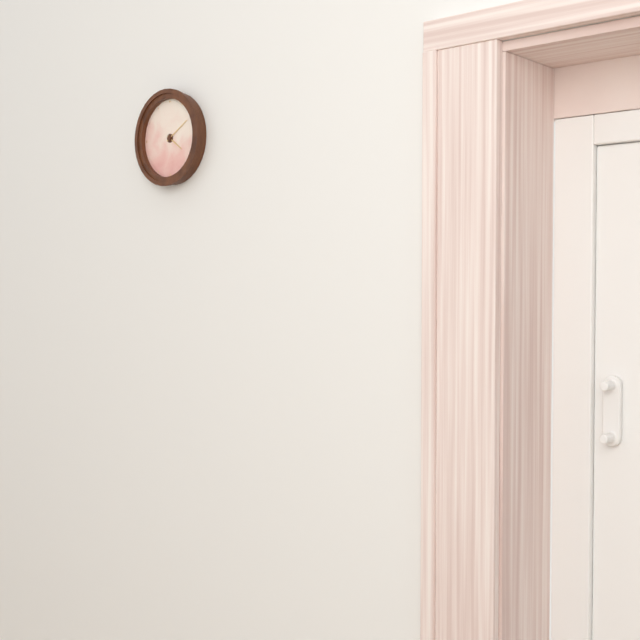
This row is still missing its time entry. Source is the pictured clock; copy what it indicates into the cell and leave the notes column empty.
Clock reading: 4:10
